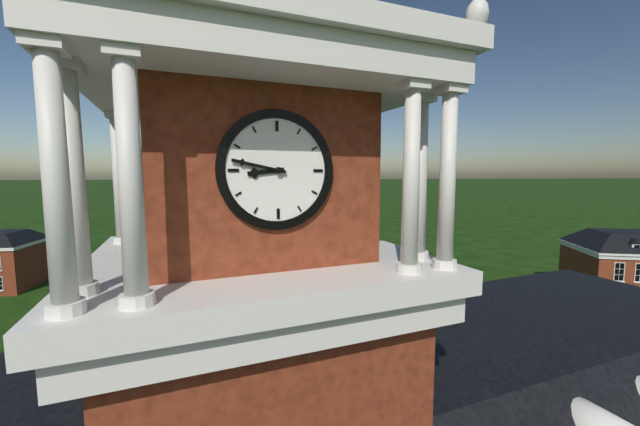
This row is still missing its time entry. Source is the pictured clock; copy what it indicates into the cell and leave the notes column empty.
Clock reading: 8:47
